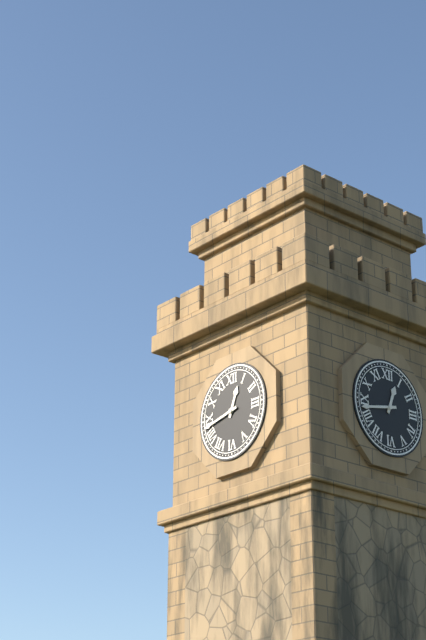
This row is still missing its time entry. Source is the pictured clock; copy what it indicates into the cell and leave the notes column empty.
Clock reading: 12:43
